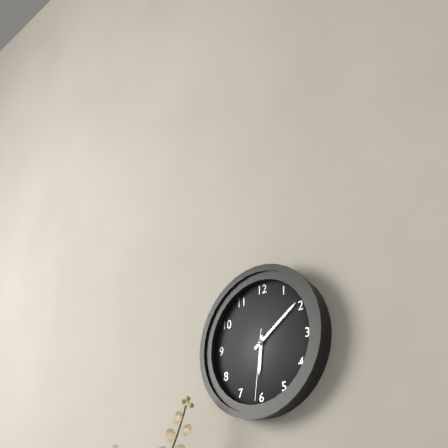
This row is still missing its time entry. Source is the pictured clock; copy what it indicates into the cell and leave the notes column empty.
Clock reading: 6:09:31
